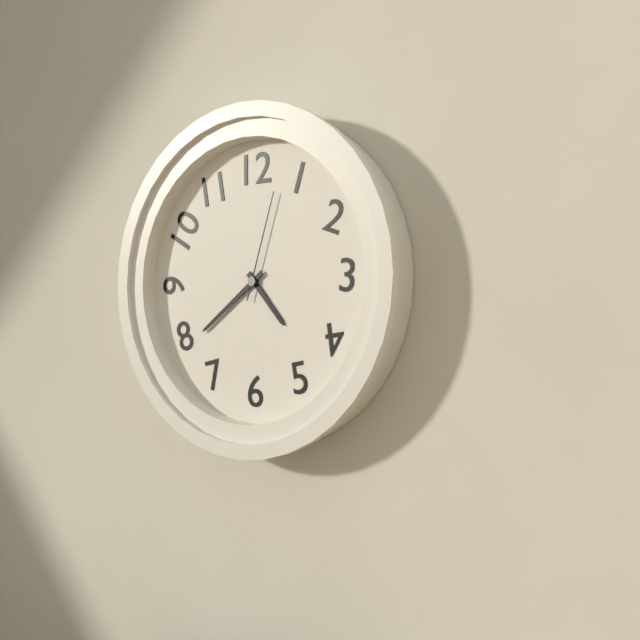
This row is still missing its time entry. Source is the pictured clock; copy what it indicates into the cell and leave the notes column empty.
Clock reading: 4:39:03
